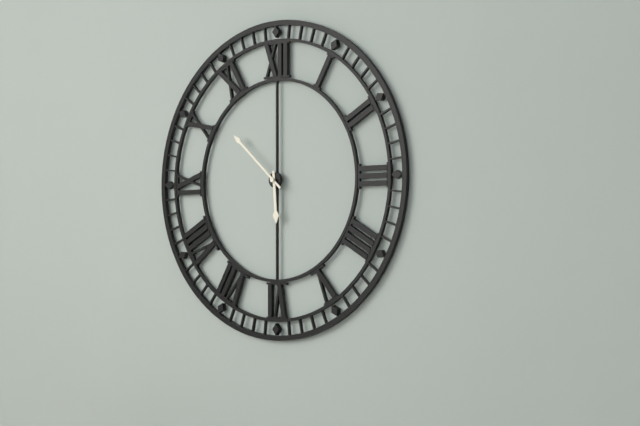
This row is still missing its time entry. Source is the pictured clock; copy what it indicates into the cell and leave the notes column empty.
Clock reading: 5:52
